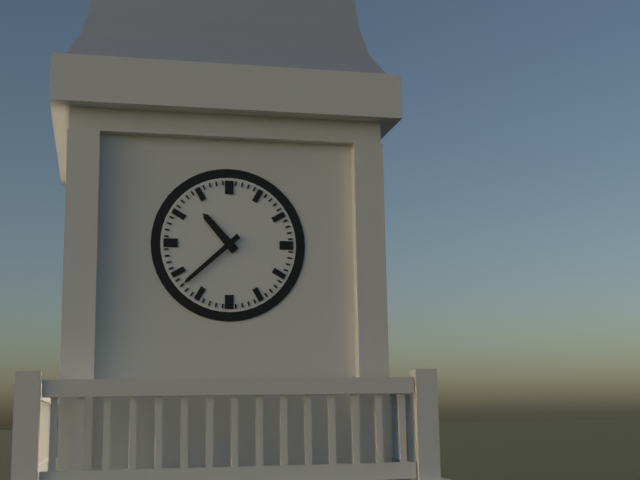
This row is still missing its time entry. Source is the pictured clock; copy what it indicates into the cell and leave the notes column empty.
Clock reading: 10:38
